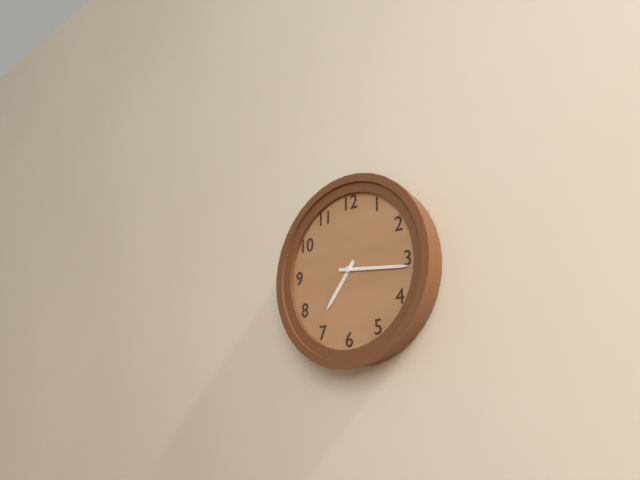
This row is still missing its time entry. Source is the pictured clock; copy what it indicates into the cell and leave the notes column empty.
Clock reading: 7:16
